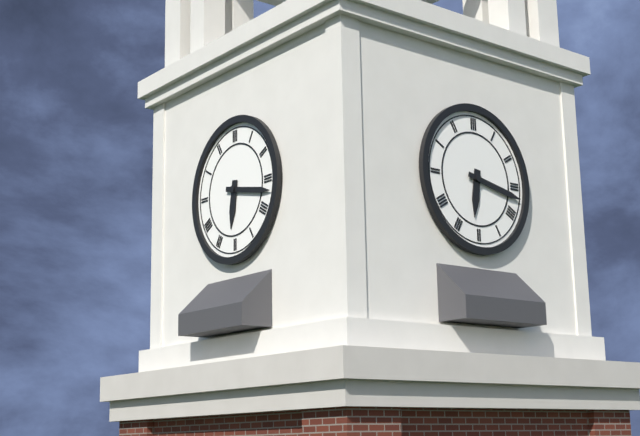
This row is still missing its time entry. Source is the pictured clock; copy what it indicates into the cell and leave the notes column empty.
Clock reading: 6:17
